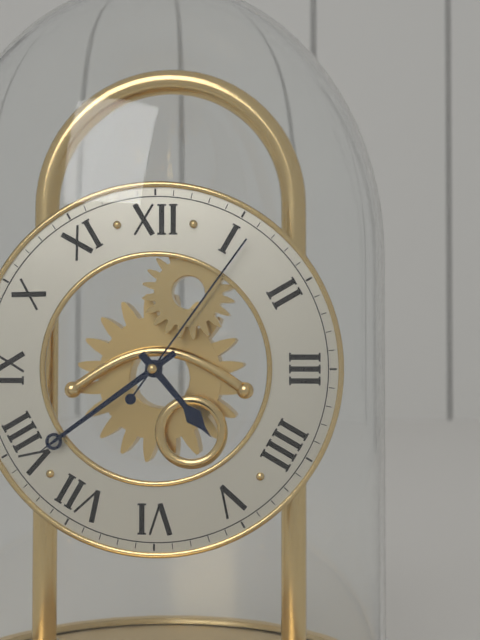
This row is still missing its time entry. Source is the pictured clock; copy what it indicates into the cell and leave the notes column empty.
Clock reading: 4:39:06
